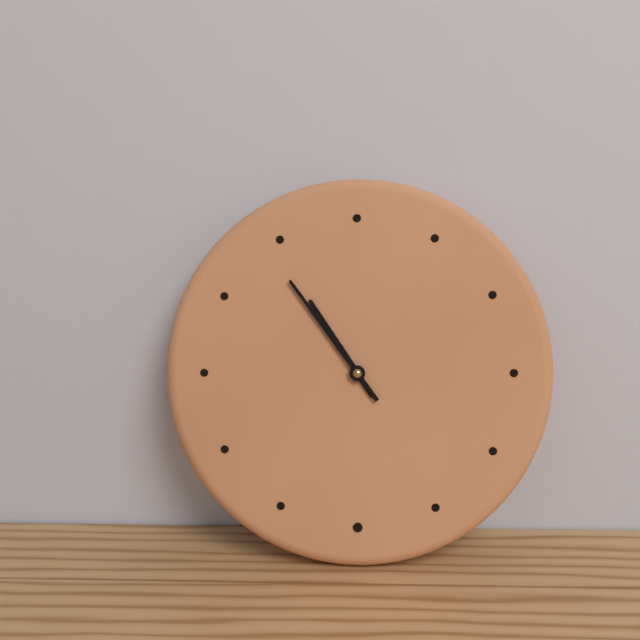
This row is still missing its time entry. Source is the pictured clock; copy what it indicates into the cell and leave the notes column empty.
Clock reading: 10:54
